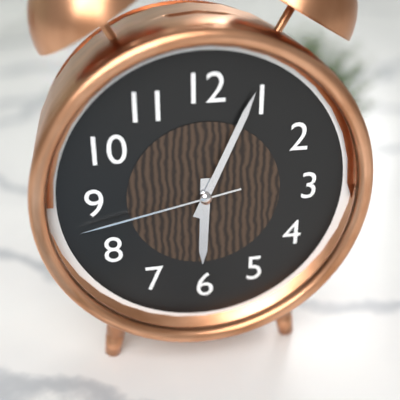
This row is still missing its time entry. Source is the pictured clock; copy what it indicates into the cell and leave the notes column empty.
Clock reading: 6:04:43
